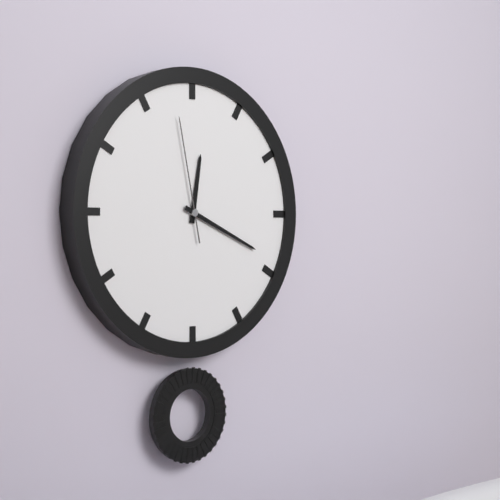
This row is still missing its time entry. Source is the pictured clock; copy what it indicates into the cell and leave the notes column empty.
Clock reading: 12:19:58
